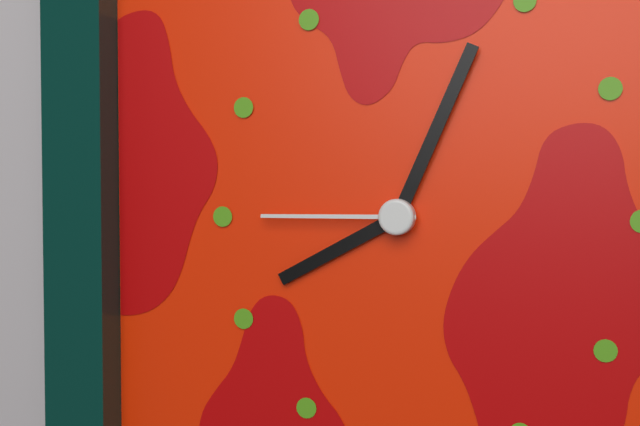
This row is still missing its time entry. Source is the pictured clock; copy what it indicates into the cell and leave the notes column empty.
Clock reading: 8:04:45
